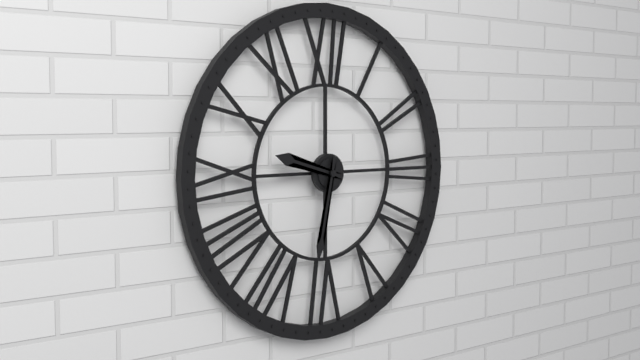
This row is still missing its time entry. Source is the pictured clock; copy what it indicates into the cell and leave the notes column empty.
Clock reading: 9:32
